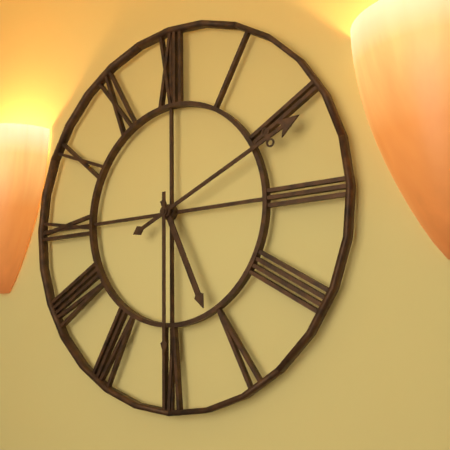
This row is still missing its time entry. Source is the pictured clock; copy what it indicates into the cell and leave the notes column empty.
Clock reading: 5:11:30
